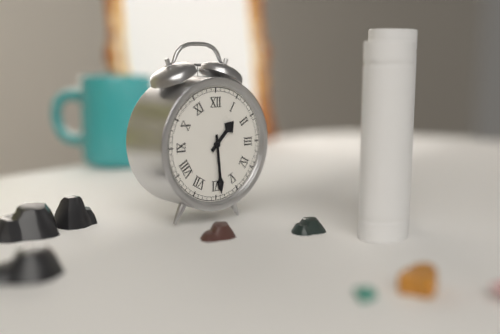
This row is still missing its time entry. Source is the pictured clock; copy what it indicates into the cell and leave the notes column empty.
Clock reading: 1:29
